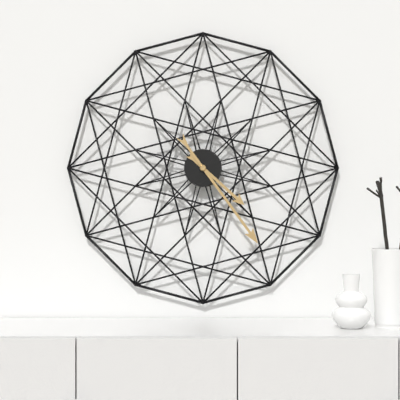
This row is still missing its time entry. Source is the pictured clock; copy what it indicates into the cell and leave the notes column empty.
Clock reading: 4:24
